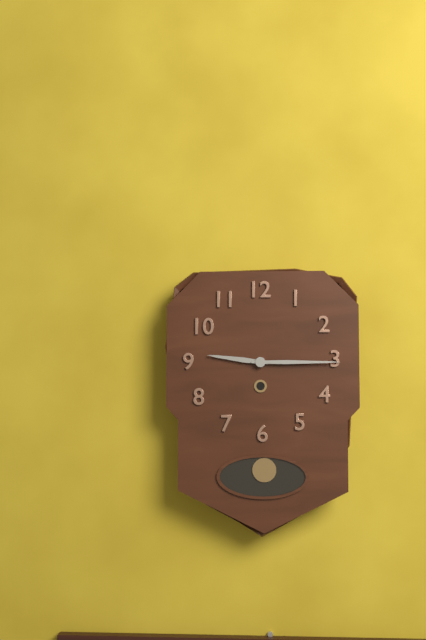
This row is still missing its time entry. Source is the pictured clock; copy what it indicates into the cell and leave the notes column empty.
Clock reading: 9:15
